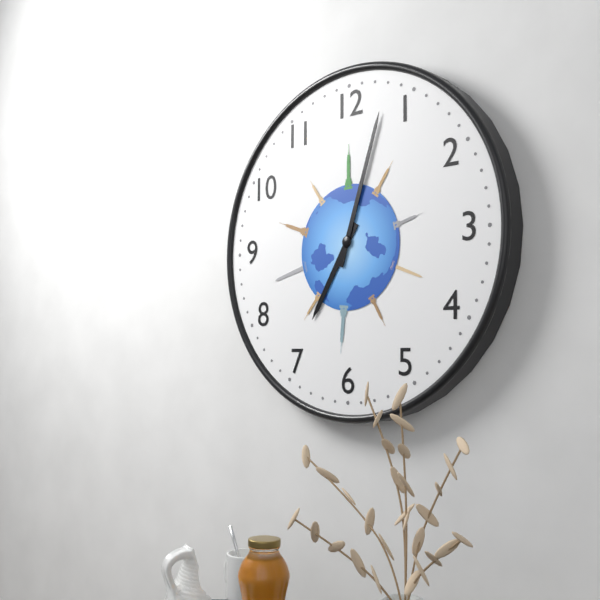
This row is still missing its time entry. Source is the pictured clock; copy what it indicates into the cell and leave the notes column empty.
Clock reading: 7:03
